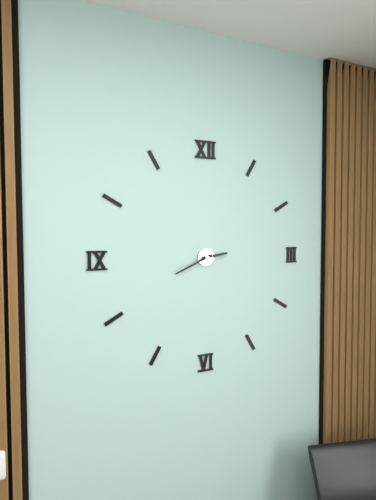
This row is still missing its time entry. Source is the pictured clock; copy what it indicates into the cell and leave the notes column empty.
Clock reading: 2:41
